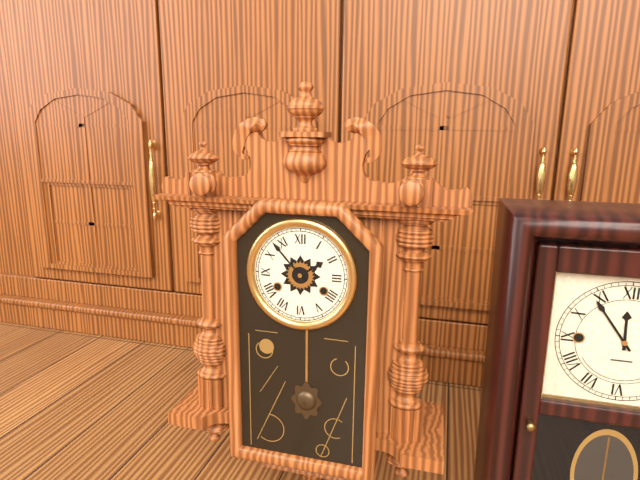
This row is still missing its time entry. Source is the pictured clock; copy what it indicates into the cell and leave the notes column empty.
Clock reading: 1:53
